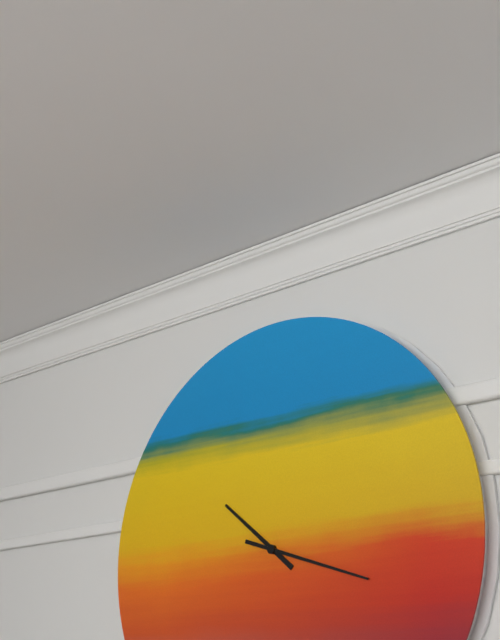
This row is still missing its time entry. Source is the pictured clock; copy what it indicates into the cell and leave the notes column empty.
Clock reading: 10:18
